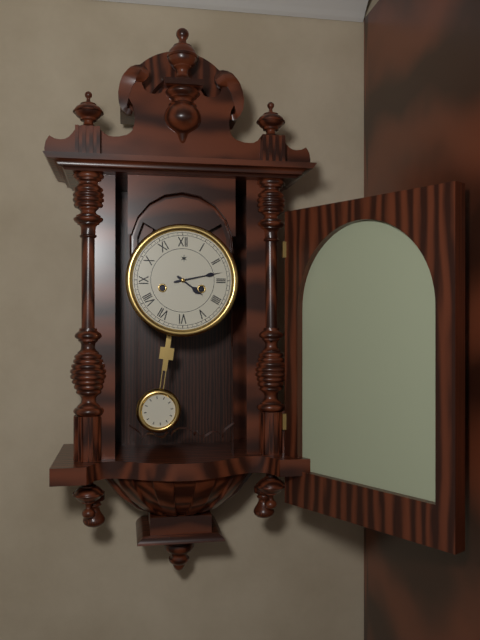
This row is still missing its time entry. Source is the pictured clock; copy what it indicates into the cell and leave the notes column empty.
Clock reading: 4:13
